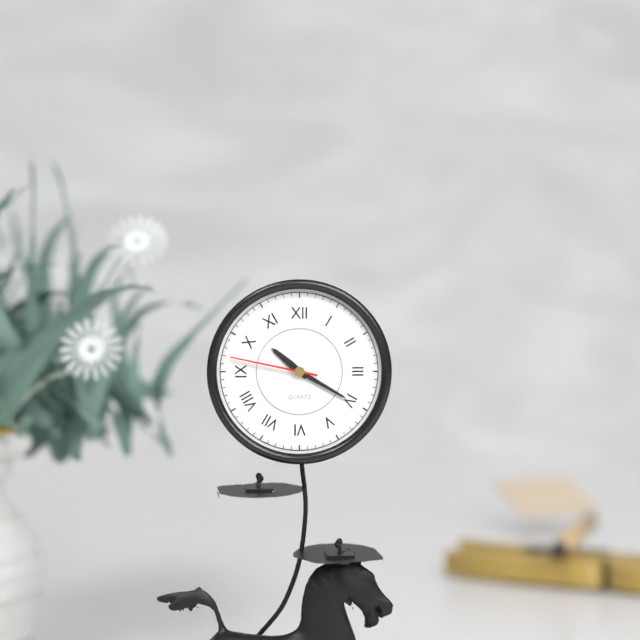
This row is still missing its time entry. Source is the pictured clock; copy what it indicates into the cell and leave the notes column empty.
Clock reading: 10:20:47
